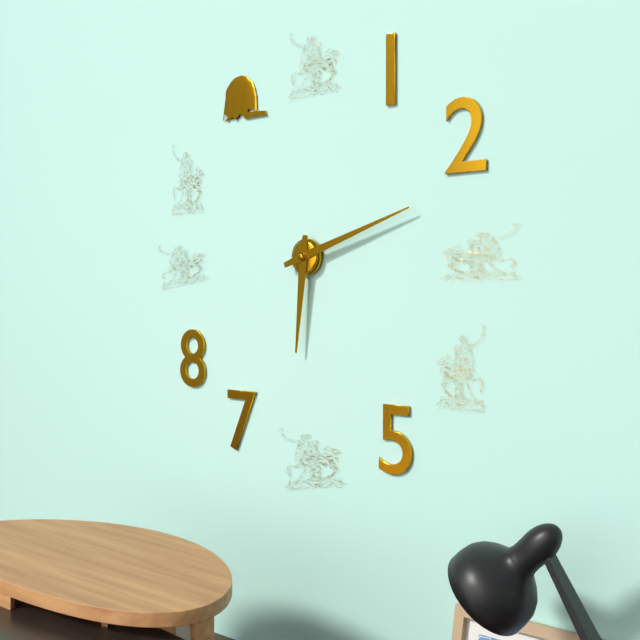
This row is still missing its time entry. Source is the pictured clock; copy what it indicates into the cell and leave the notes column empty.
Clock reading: 6:12
